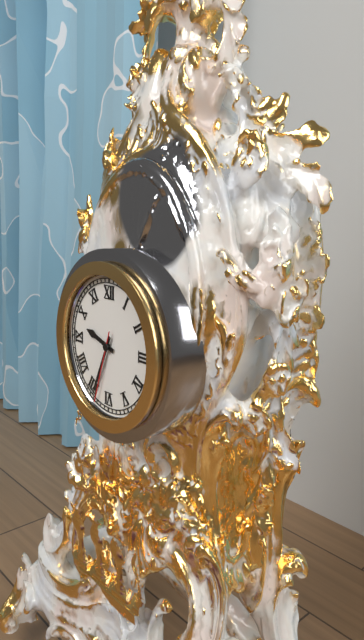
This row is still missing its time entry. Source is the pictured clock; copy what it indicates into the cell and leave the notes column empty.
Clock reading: 9:34:33
